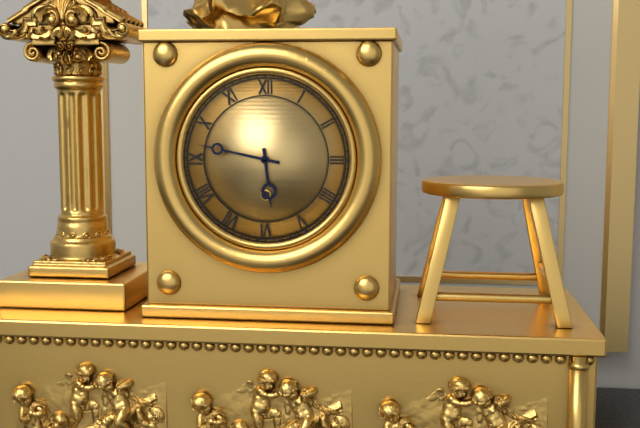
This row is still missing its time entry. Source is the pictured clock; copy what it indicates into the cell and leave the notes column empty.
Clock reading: 5:47
